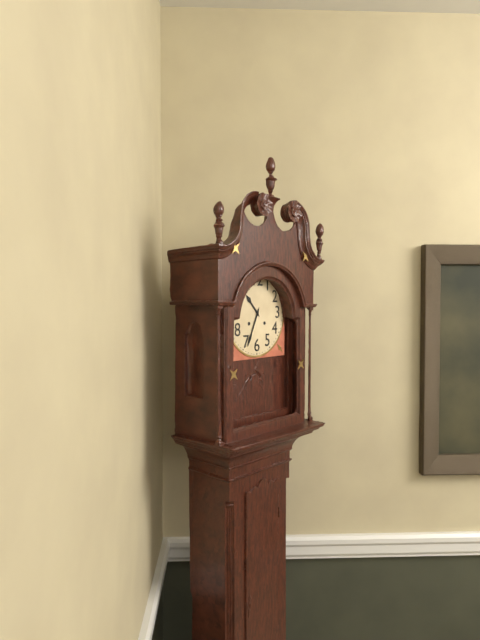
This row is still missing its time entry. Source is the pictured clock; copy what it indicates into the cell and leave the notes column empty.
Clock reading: 10:34
